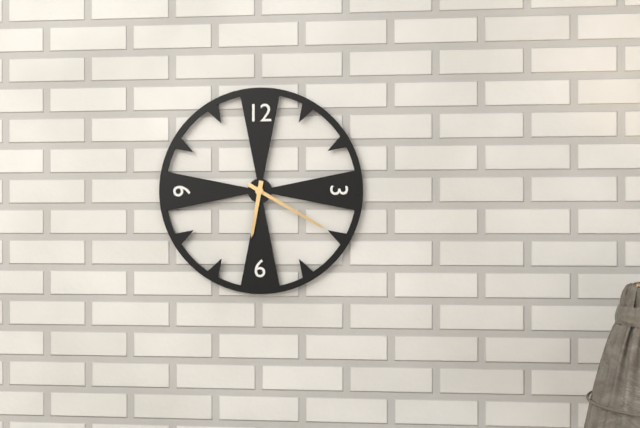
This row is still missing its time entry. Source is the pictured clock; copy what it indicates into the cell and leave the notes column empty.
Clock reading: 6:20
